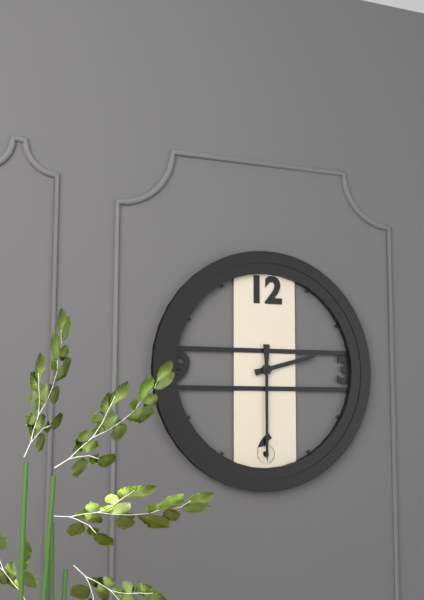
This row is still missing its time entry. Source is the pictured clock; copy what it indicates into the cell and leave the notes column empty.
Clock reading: 2:30
